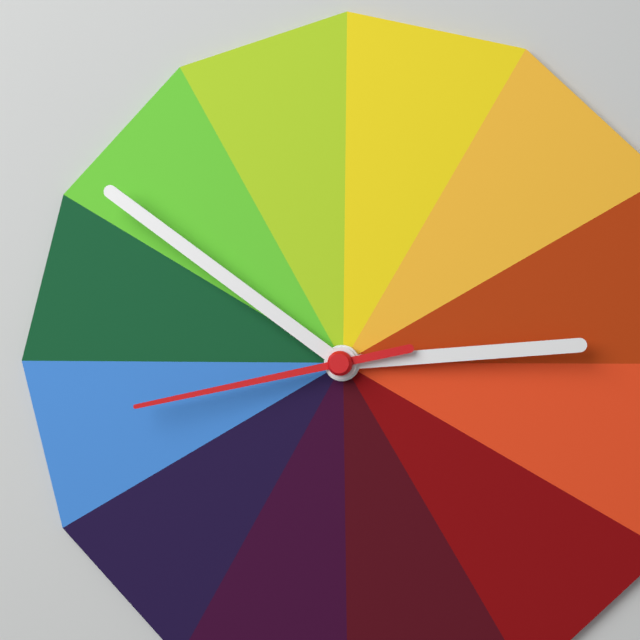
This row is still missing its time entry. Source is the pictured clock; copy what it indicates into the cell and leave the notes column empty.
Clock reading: 2:51:43
